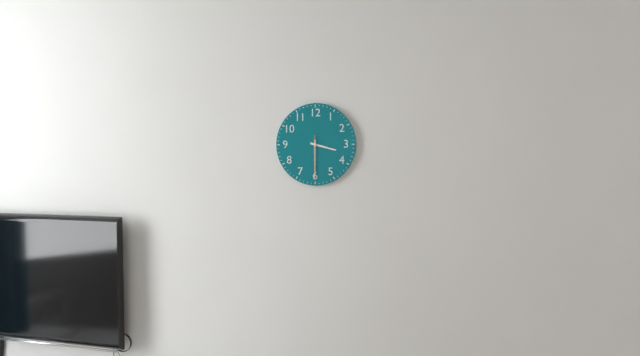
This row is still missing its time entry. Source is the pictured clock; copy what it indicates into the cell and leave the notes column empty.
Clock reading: 3:30
